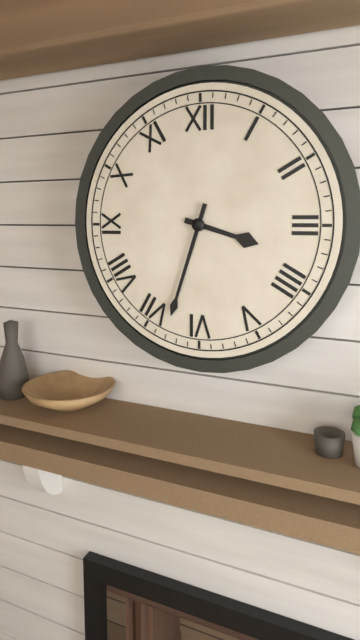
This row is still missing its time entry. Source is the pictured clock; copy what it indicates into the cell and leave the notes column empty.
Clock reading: 3:33
